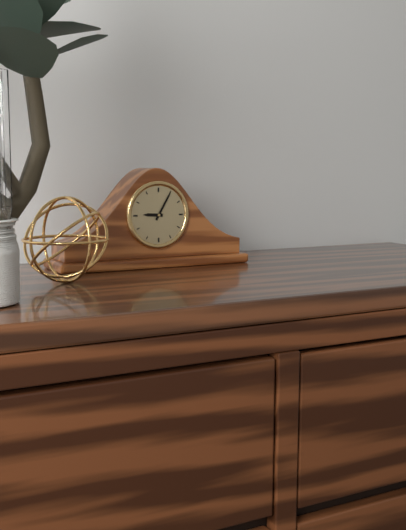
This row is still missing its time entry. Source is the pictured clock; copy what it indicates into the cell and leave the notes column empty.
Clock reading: 9:05
